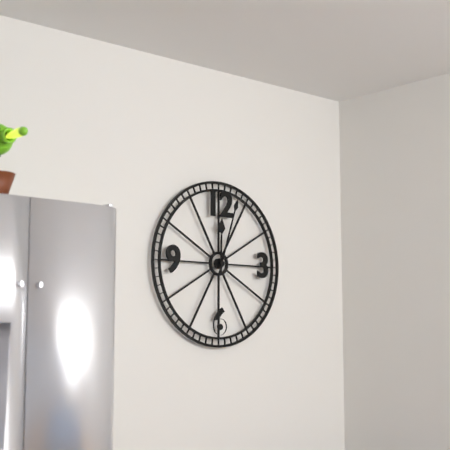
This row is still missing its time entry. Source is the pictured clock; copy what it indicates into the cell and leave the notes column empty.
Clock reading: 12:03
